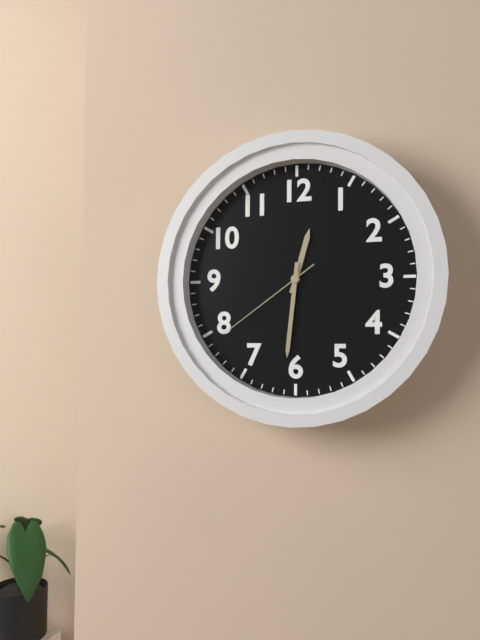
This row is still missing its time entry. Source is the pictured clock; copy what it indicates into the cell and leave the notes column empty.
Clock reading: 12:31:39
